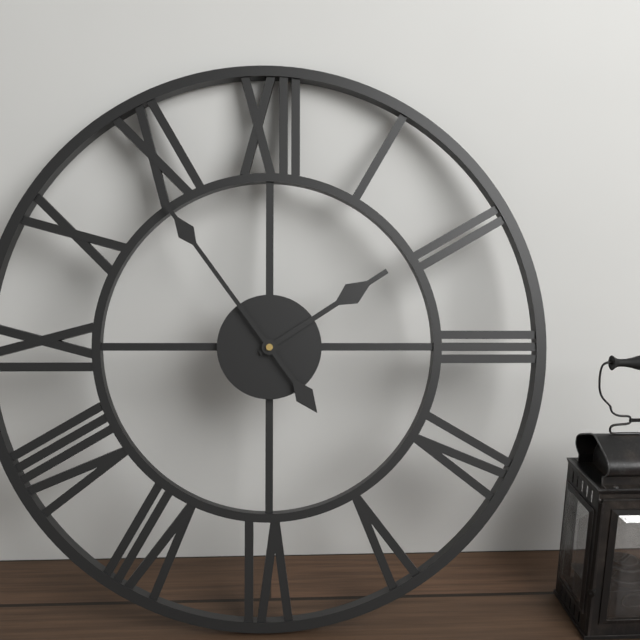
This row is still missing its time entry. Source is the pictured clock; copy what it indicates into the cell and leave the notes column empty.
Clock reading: 1:54
